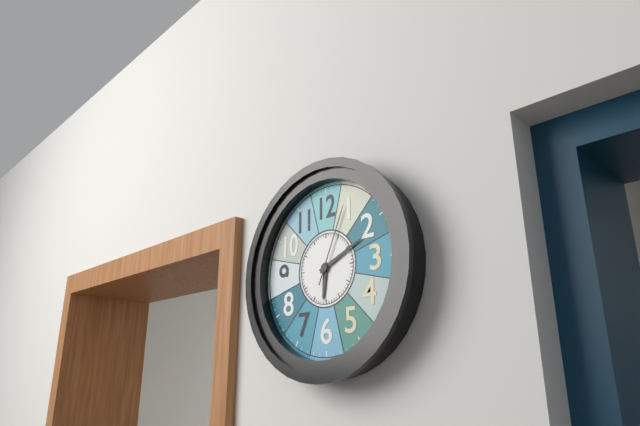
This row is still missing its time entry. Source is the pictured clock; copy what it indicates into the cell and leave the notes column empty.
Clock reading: 6:11:04
